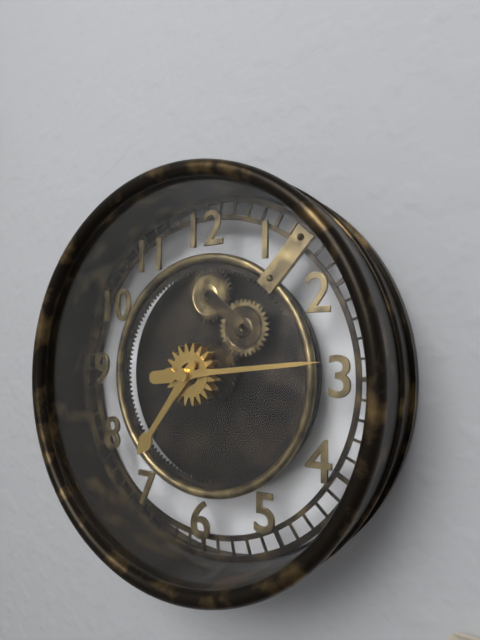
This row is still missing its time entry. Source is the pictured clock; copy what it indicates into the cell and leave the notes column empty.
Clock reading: 7:14
